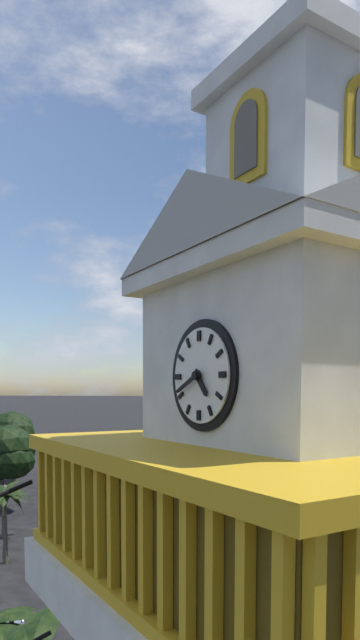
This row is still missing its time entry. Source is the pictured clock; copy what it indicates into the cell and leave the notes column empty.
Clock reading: 4:41
